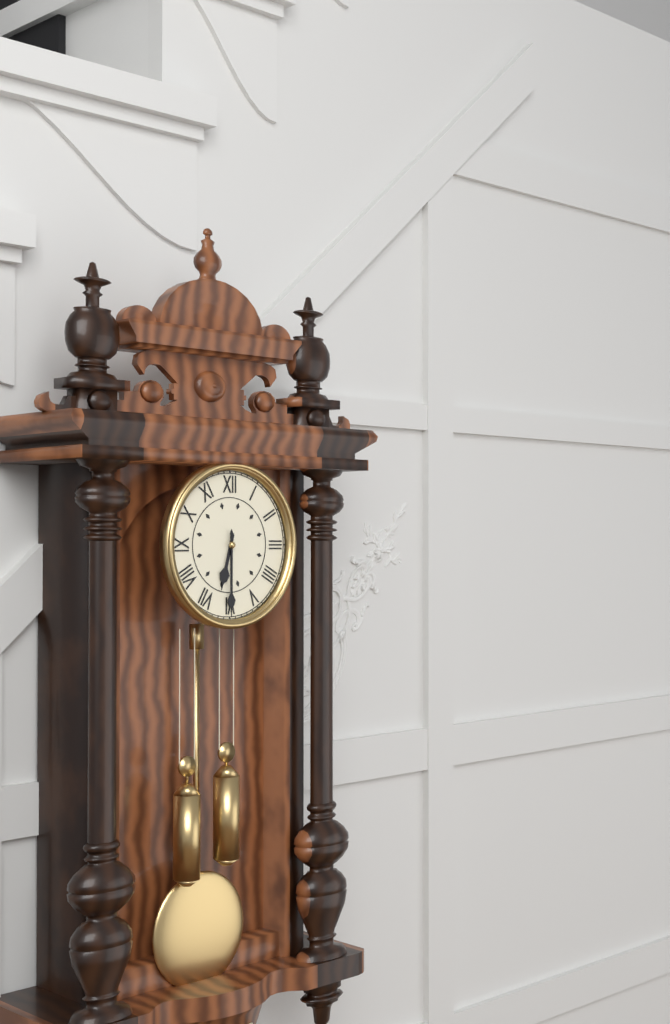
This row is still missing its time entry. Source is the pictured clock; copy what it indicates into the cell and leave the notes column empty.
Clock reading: 6:30
